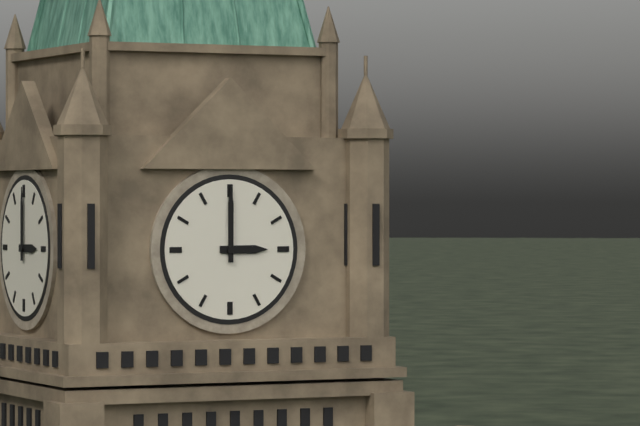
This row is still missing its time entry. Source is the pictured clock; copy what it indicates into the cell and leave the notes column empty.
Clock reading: 3:00
